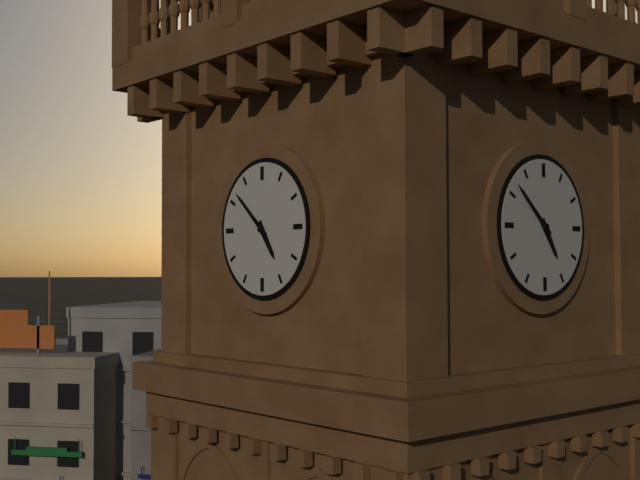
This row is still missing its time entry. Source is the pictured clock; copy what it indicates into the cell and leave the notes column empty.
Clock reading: 4:52
